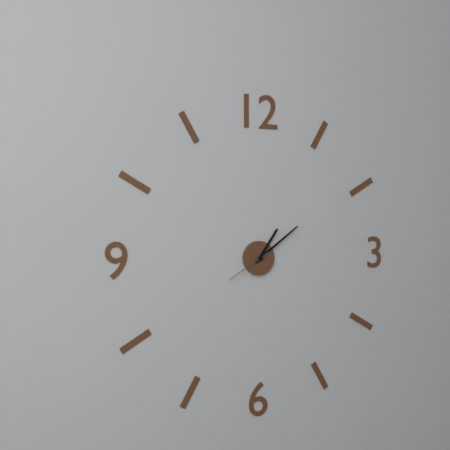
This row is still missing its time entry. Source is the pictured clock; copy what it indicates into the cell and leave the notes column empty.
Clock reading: 1:09
